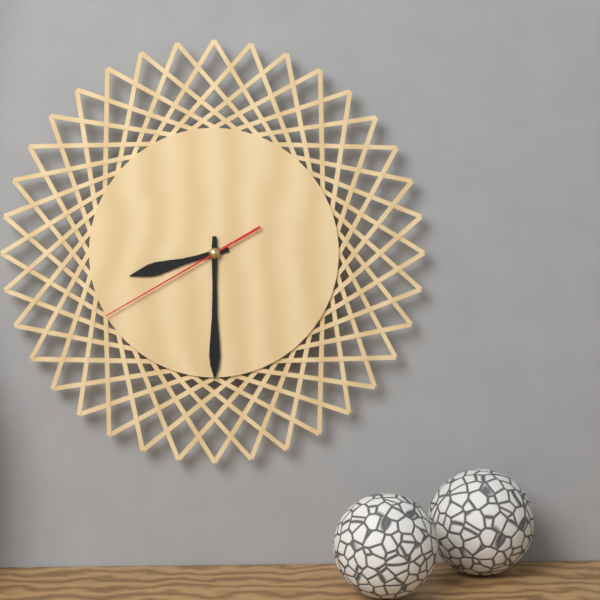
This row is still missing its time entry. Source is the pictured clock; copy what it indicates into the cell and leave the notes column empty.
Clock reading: 8:30:40
